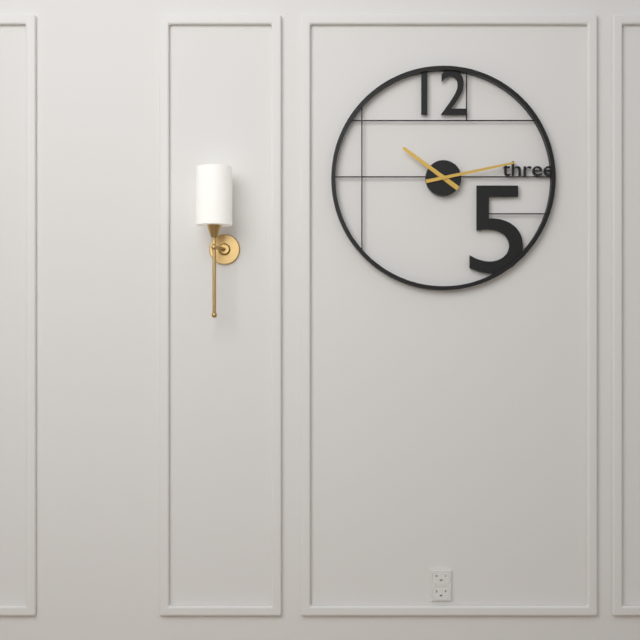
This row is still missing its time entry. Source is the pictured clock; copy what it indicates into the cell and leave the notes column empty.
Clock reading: 10:13
